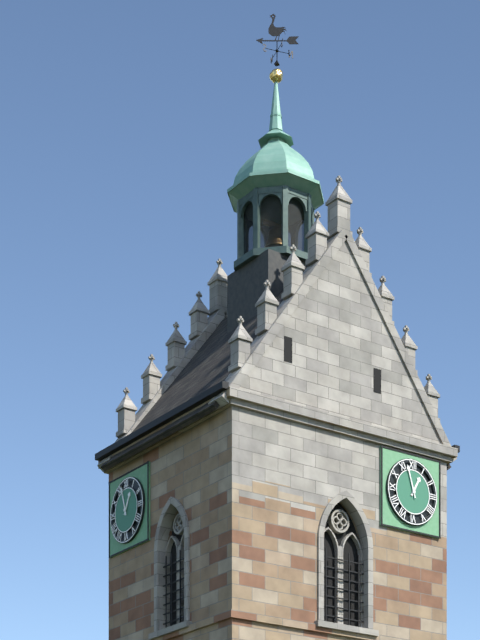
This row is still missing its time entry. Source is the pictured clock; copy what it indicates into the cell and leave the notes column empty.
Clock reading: 12:57
